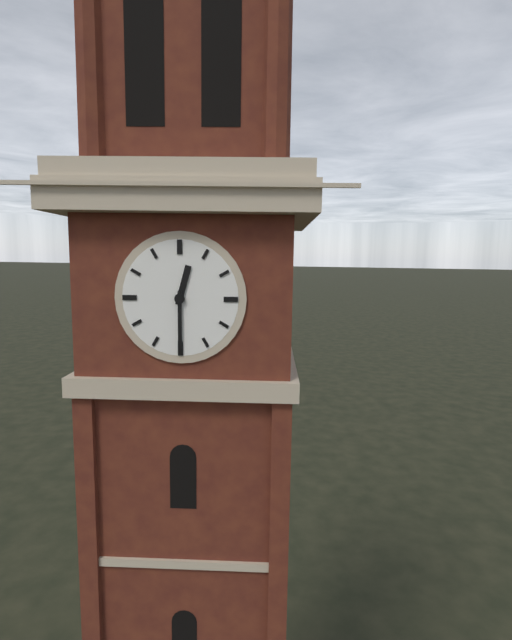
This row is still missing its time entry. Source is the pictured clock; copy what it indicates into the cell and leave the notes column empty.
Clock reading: 12:30
